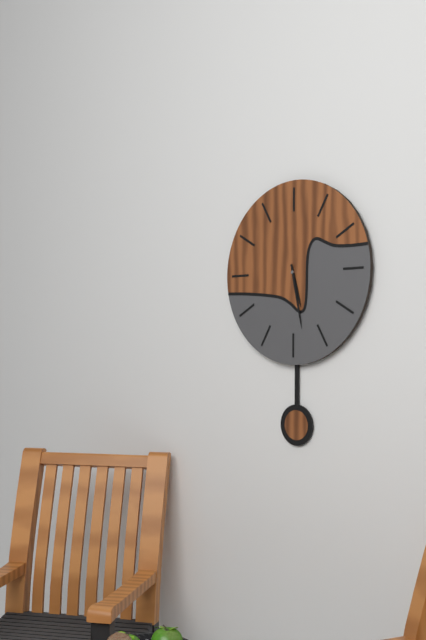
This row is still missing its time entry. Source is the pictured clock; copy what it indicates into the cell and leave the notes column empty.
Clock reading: 5:28
